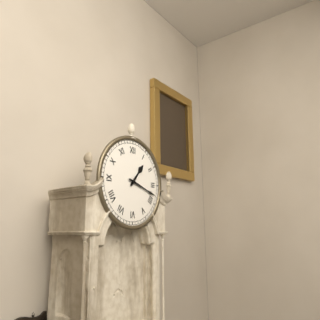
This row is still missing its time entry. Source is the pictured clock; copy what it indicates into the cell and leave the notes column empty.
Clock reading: 1:18
